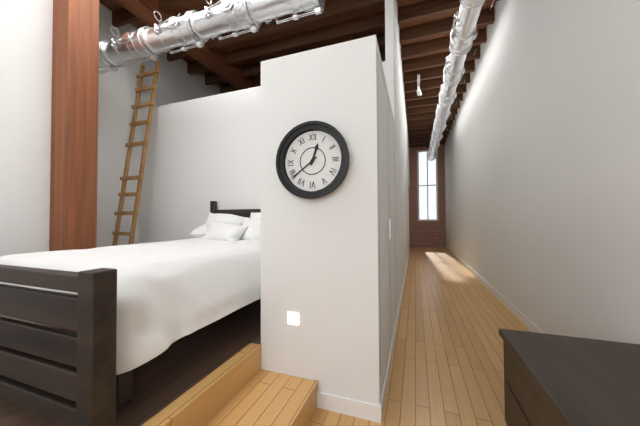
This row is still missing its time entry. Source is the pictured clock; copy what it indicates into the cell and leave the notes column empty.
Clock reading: 12:39
